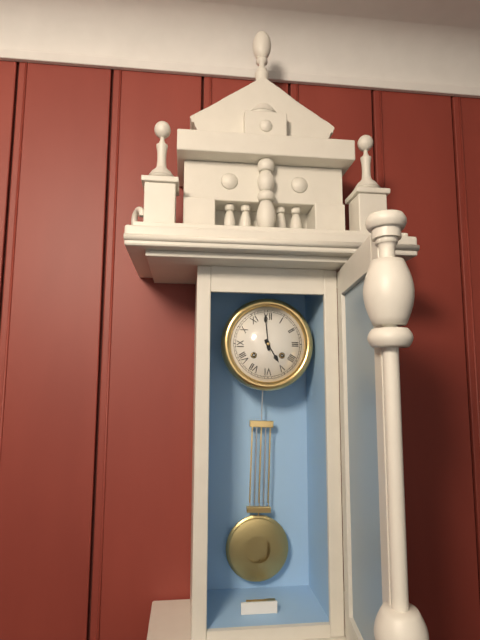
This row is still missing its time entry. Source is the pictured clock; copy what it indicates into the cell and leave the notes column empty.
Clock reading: 4:59
